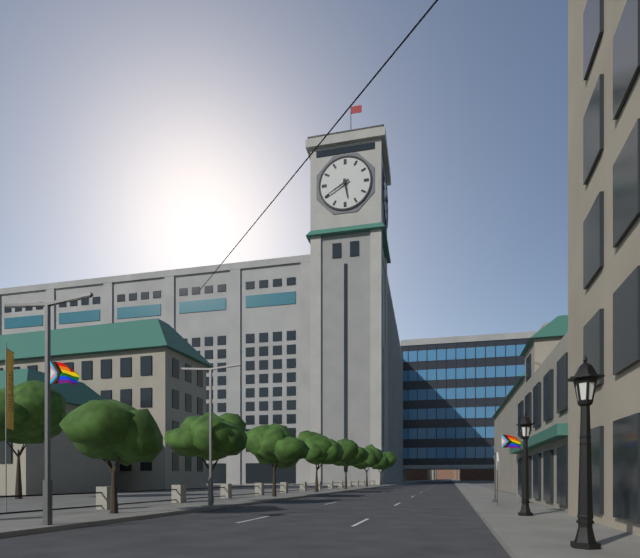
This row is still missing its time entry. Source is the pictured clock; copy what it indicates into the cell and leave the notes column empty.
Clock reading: 5:40
